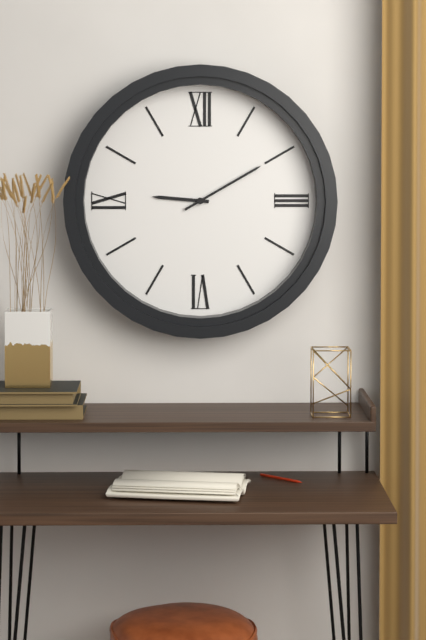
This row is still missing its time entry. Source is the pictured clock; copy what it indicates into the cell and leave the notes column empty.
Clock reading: 9:10
